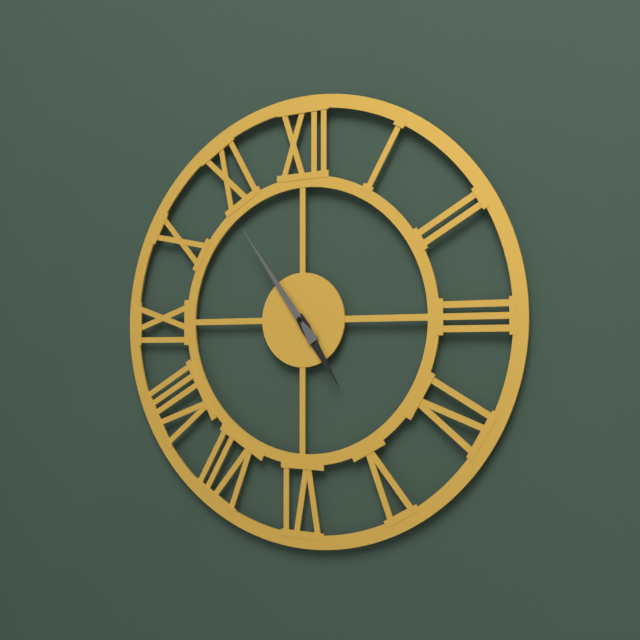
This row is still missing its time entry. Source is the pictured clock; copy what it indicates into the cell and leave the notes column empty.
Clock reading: 4:54
